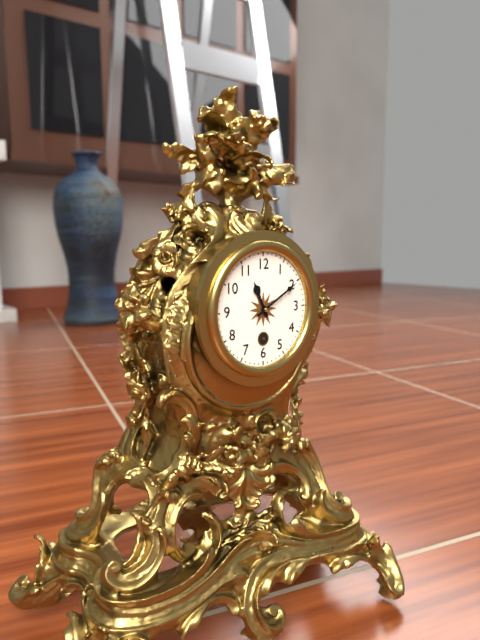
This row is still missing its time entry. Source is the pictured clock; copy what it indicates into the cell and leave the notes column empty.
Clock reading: 11:10
